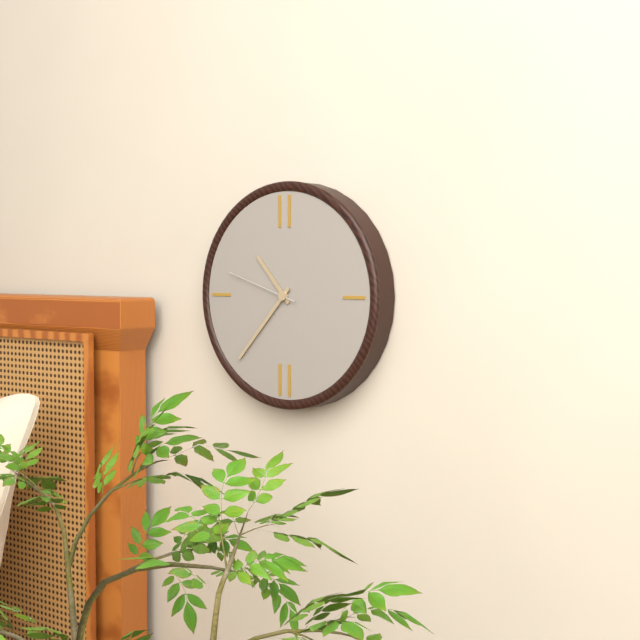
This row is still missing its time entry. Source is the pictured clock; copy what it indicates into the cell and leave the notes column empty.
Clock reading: 10:37:48
